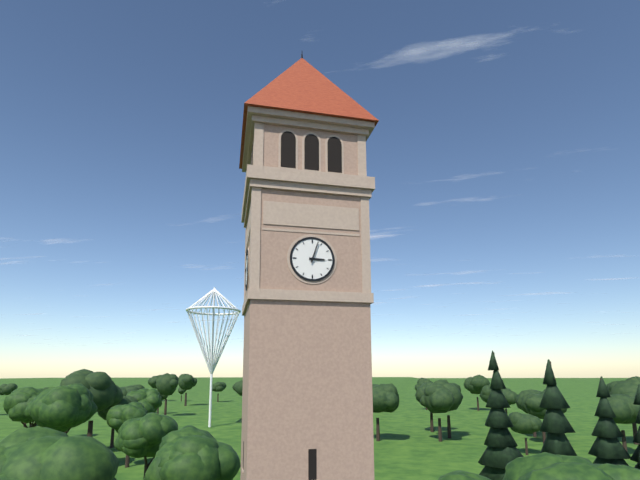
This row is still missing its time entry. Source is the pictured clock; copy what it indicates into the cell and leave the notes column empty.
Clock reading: 3:03
